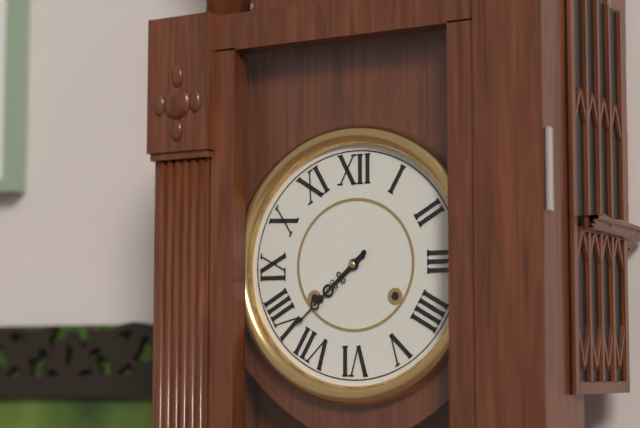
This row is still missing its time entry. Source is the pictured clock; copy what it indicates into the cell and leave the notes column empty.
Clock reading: 7:38
